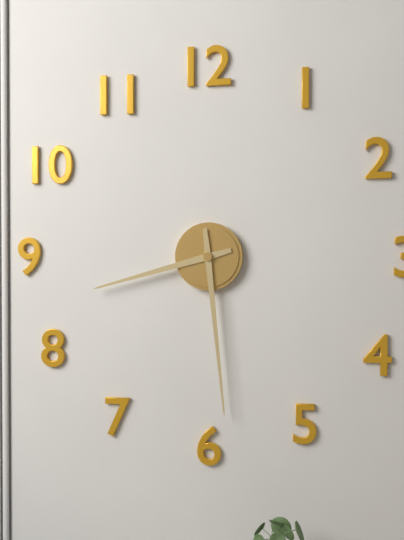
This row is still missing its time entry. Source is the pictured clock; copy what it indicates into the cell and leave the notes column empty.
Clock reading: 8:29
